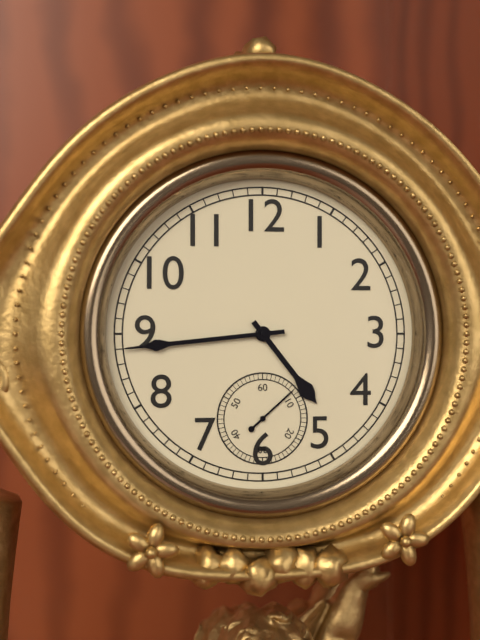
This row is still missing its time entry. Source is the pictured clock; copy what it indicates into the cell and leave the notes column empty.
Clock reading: 4:44:08
